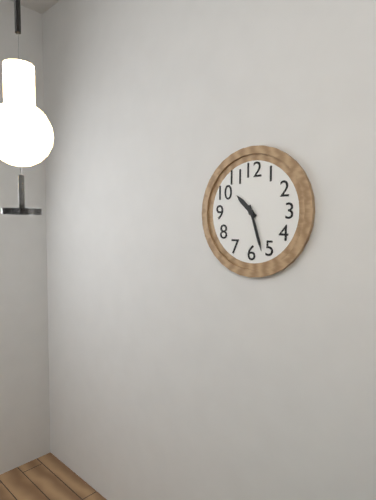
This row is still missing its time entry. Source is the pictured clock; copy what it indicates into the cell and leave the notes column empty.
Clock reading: 10:27
